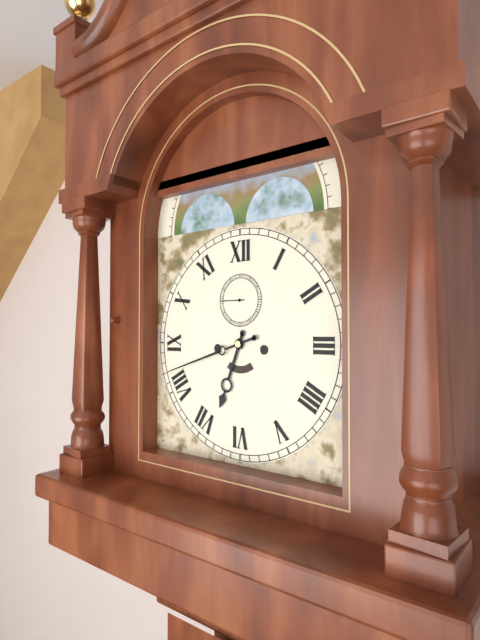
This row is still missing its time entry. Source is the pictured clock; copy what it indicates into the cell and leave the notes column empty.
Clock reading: 6:42
